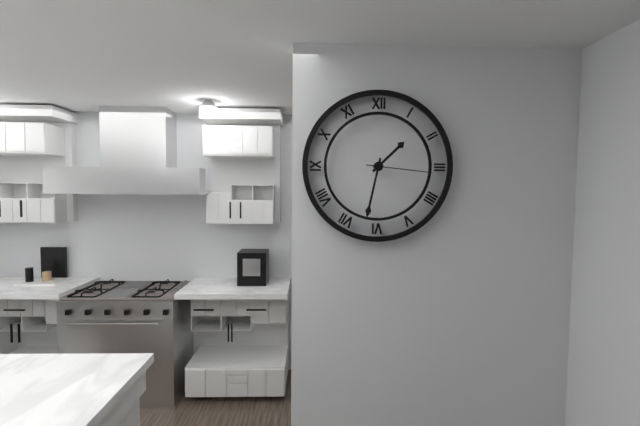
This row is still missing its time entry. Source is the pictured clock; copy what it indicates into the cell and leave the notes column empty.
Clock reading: 1:32:16
